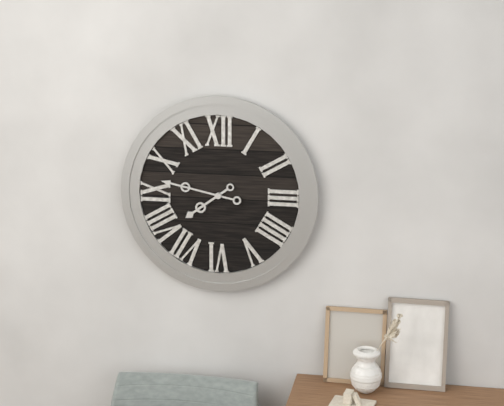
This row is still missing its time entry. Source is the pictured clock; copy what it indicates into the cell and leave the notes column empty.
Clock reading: 7:47
